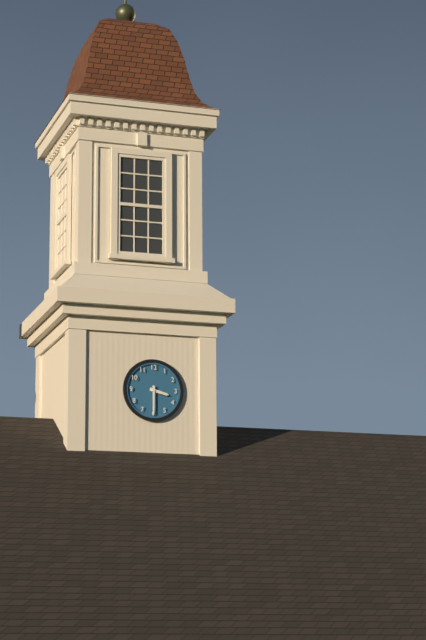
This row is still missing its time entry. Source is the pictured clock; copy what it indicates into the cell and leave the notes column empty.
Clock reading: 3:30
